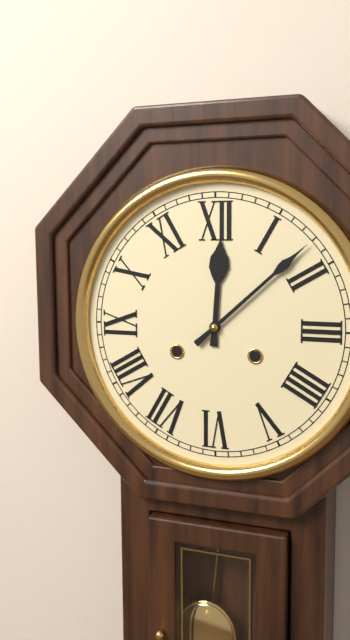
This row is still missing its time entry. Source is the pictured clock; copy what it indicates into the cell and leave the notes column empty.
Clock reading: 12:08
